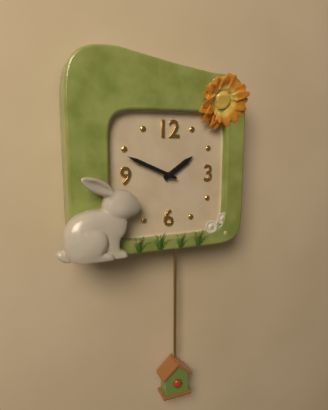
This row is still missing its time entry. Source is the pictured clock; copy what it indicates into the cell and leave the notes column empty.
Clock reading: 1:49
